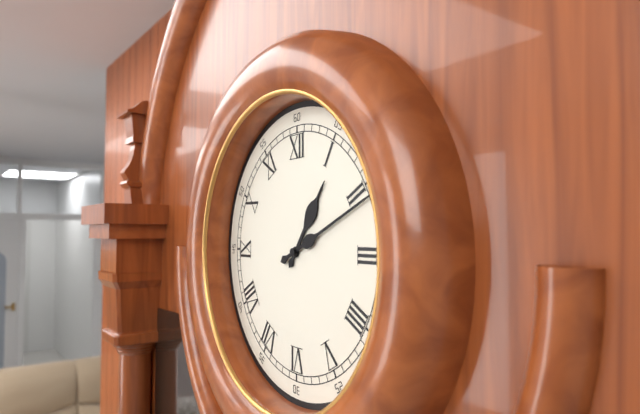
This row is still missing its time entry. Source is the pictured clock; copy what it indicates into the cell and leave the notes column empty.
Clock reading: 1:11
